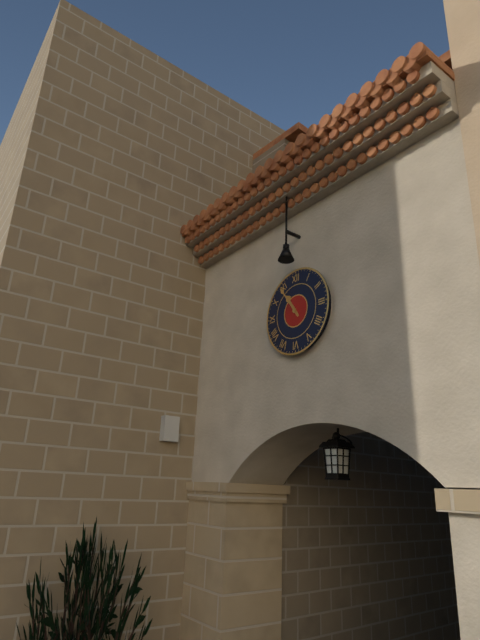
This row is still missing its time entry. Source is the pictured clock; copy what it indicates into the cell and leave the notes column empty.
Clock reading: 10:54
